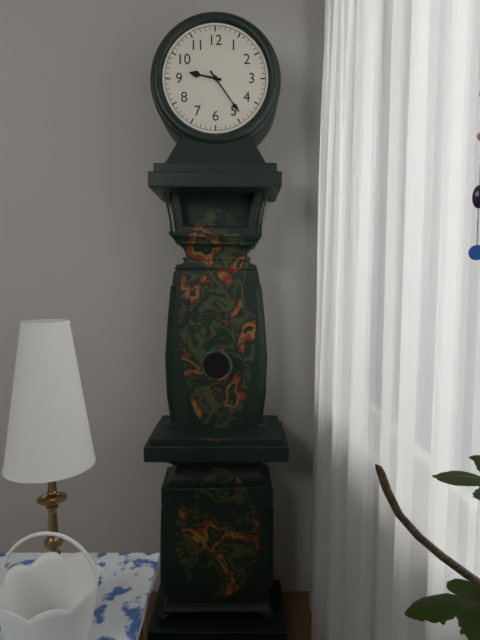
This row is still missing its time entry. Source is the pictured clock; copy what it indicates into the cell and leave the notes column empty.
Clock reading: 9:24
